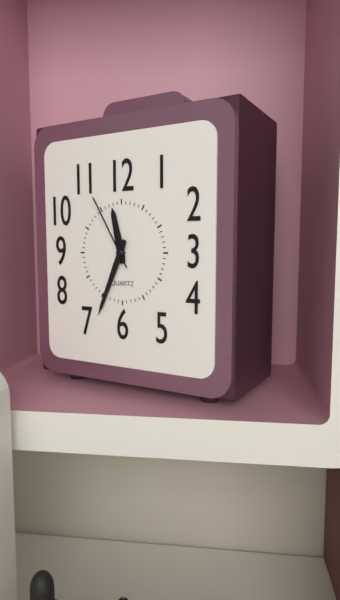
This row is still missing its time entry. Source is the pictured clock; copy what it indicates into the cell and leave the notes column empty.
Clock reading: 11:34:55
